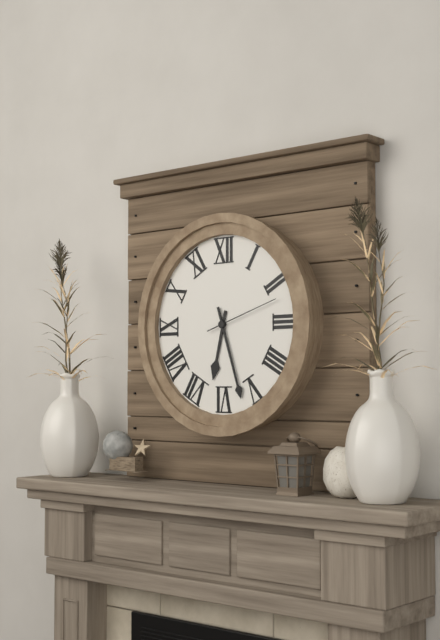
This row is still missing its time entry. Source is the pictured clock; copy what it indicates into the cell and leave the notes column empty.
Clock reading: 6:27:12
